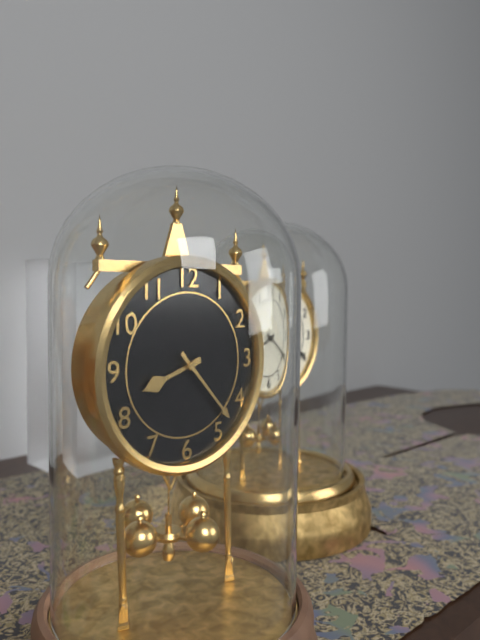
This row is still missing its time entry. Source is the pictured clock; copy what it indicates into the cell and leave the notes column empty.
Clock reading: 8:23
